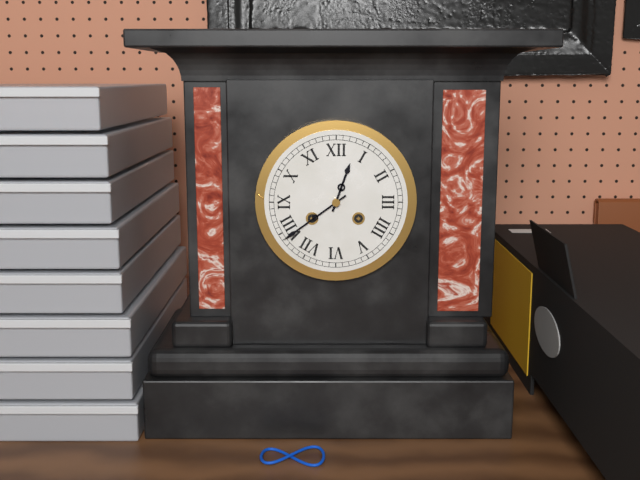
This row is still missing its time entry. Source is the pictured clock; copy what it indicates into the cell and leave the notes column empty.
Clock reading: 12:39
